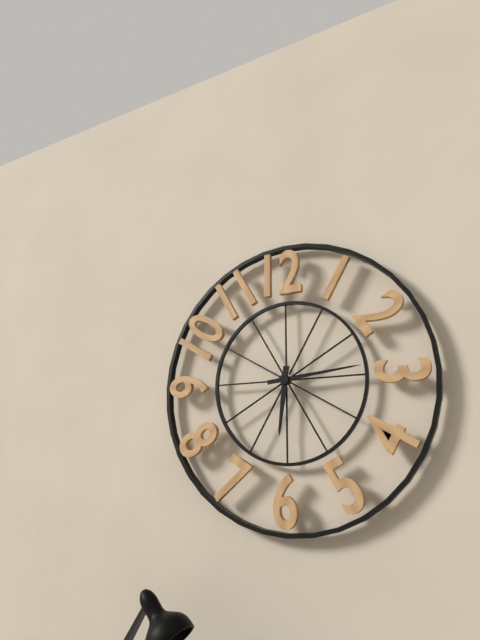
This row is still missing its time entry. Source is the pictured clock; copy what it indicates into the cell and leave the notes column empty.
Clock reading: 6:14
